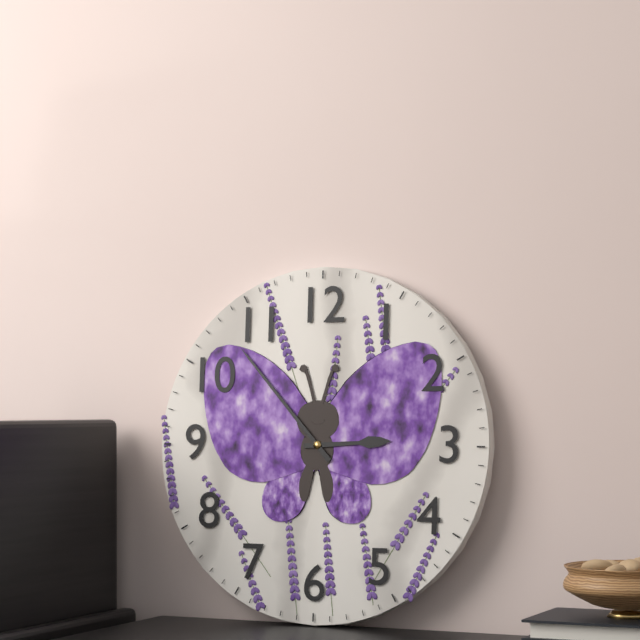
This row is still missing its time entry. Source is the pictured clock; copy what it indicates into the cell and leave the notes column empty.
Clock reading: 2:53
